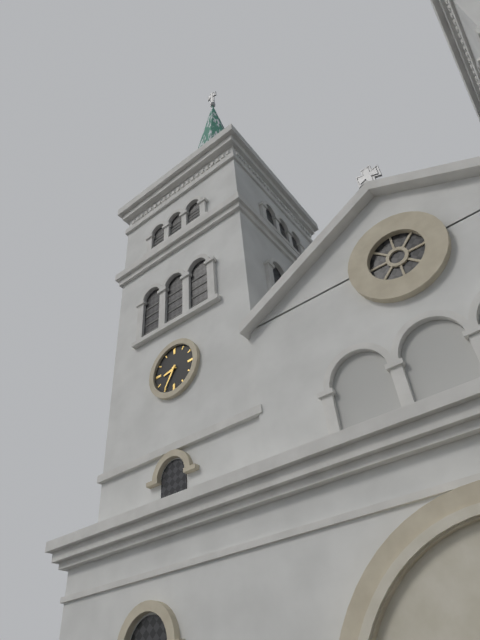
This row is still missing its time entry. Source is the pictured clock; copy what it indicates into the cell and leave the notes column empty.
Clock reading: 8:35
